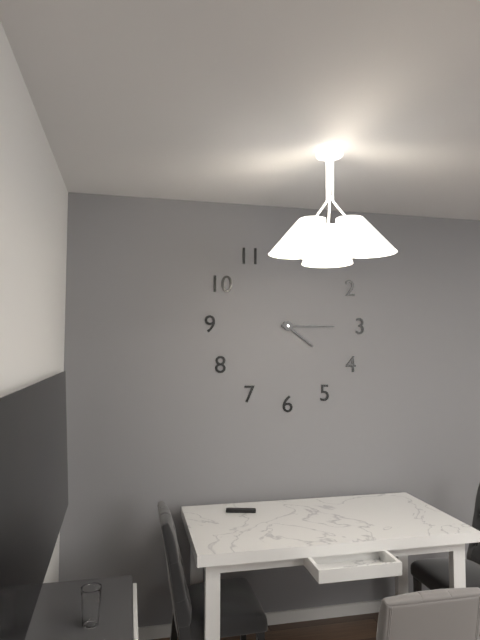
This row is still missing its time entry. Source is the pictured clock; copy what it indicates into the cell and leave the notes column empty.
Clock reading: 4:15
